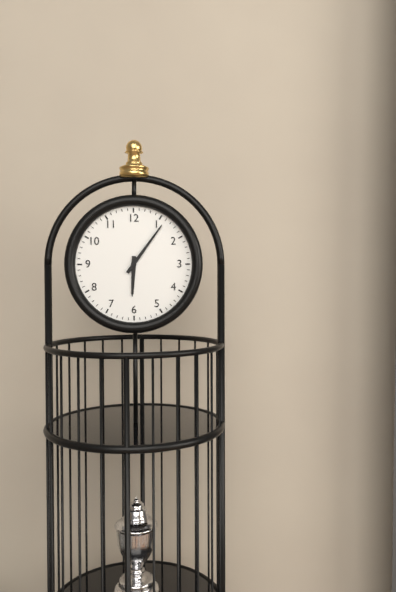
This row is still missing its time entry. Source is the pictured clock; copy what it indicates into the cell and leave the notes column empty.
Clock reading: 6:06
